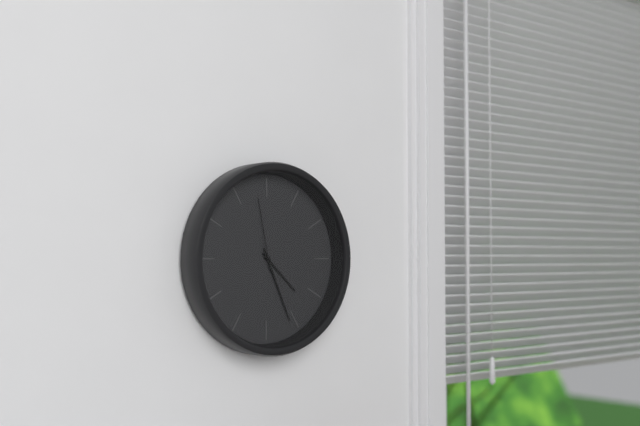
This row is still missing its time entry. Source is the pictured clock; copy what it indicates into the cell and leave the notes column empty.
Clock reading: 4:26:58
